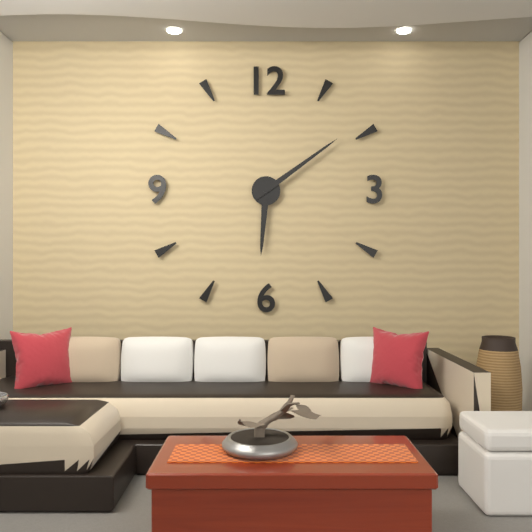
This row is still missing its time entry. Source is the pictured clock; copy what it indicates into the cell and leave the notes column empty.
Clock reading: 6:09
